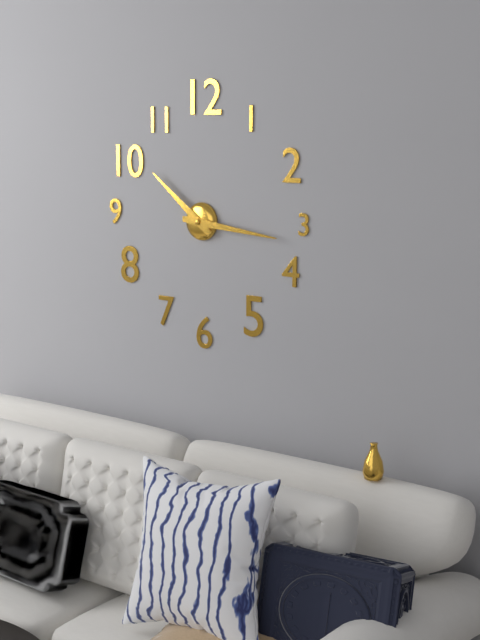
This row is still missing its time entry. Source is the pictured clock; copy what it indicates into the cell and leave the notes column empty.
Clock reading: 10:16
